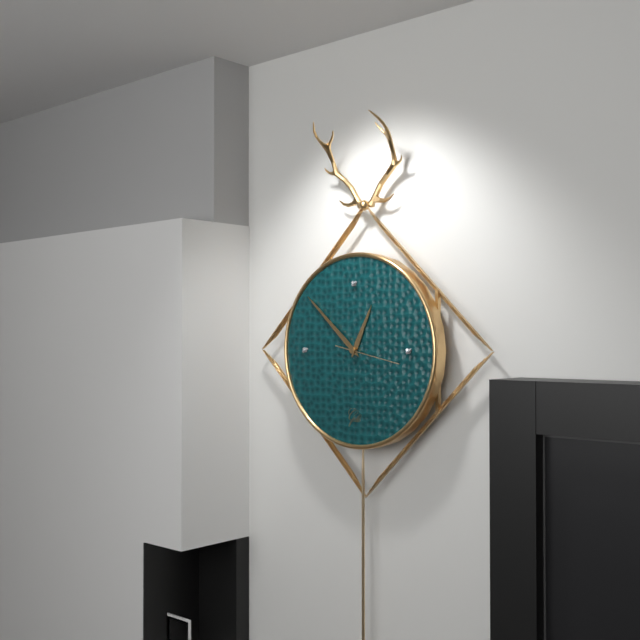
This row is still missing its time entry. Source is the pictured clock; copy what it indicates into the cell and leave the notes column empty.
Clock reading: 12:52:17
